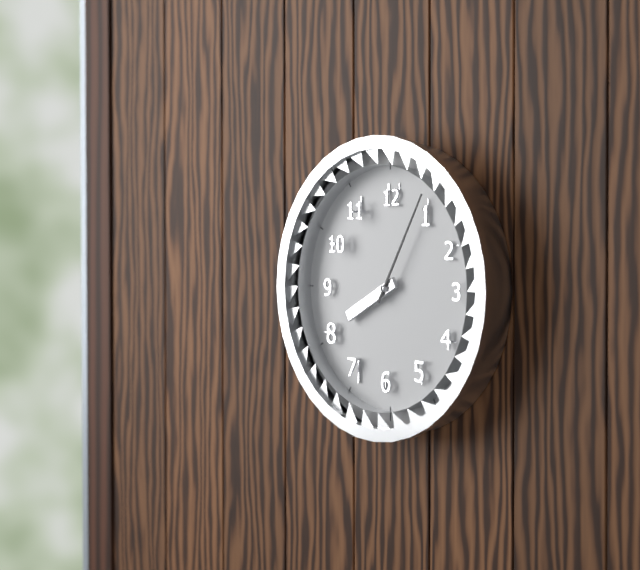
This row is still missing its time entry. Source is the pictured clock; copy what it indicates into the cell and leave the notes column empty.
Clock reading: 8:05
